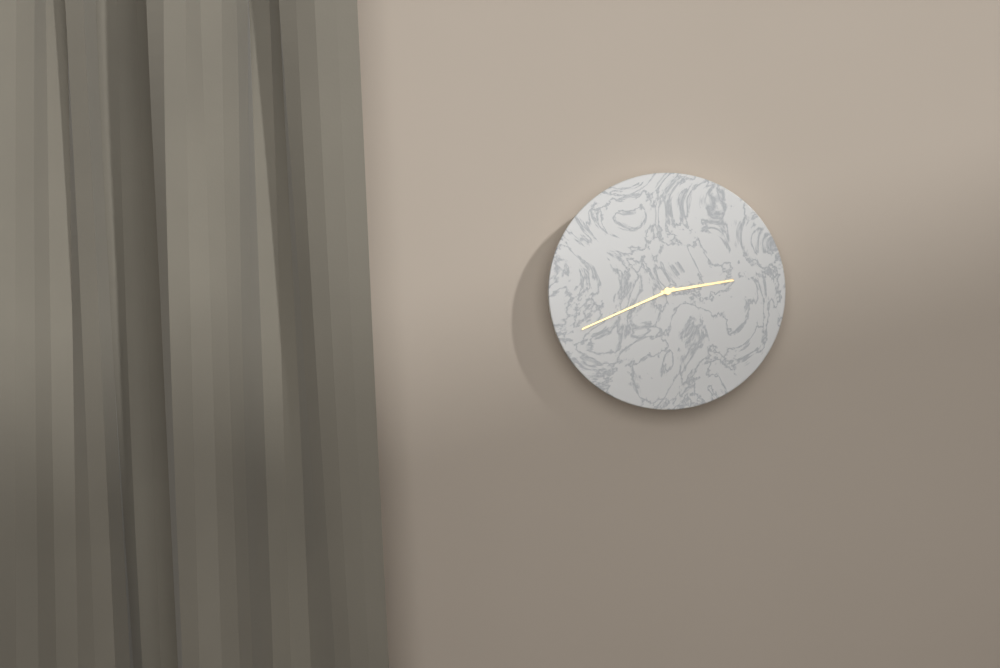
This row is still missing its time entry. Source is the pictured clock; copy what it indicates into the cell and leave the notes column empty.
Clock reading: 2:41
